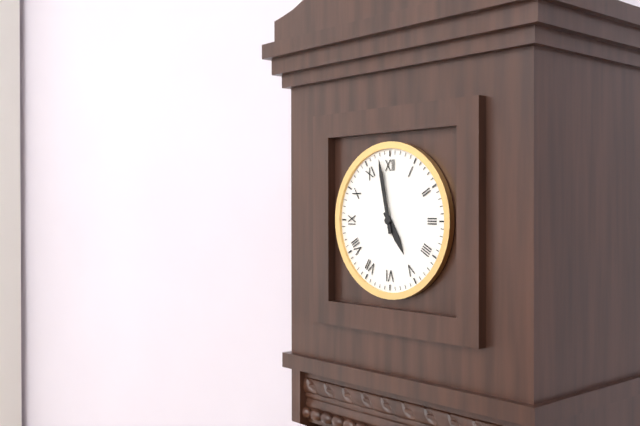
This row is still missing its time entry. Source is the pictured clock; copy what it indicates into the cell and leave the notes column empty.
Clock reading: 4:58
